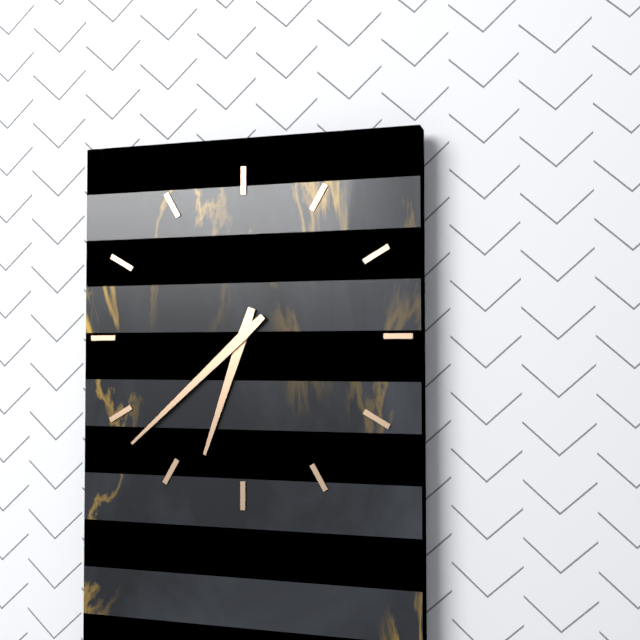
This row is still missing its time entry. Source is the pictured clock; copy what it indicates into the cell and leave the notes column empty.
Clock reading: 6:38
